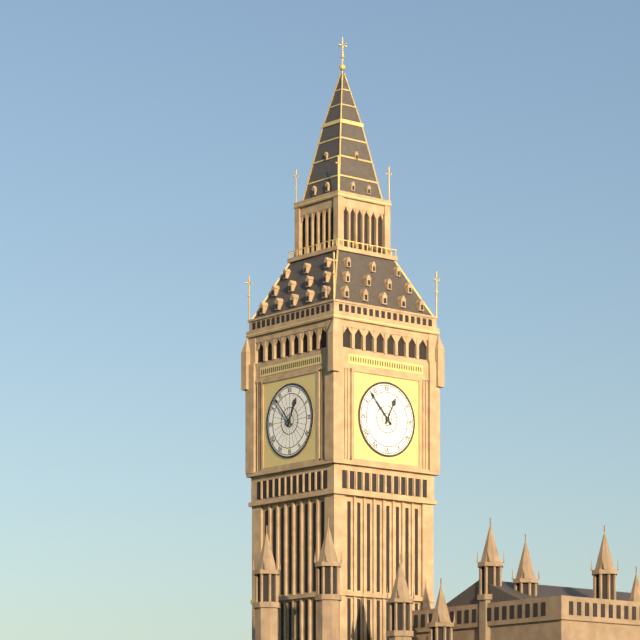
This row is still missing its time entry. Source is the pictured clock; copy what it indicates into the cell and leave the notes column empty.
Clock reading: 12:53
